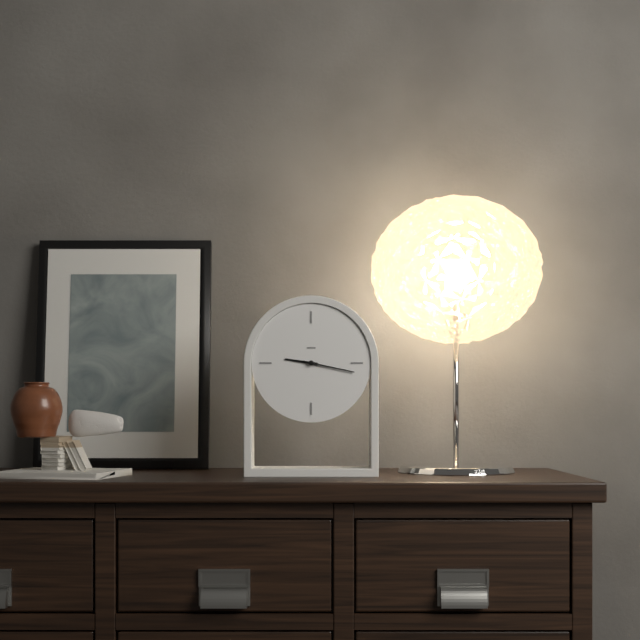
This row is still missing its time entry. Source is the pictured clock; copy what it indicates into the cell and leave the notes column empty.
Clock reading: 9:17
